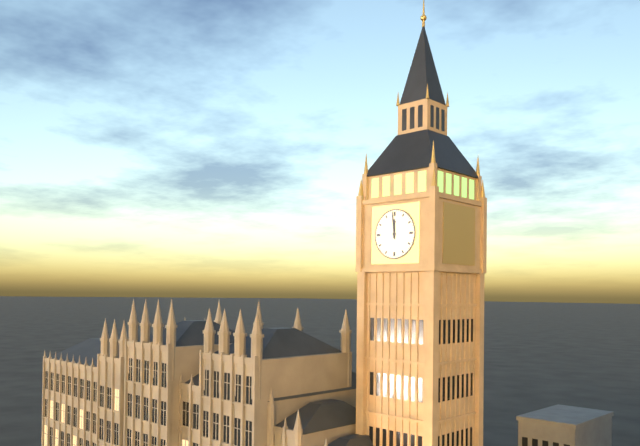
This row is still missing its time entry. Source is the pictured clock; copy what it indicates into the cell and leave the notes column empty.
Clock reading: 11:59
